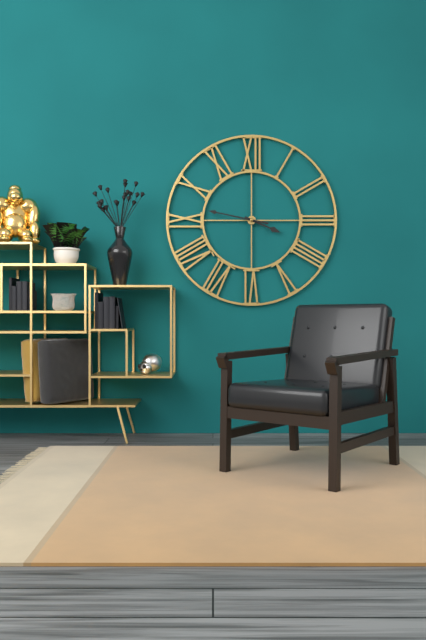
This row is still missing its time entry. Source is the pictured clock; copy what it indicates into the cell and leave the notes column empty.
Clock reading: 3:47
